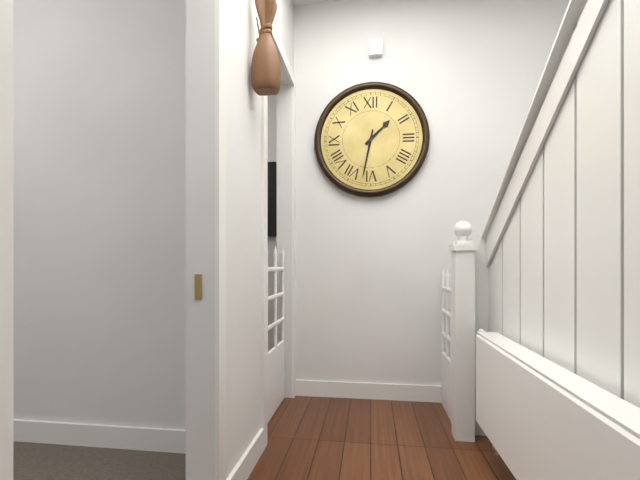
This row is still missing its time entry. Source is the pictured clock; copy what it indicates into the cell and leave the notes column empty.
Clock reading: 1:32
